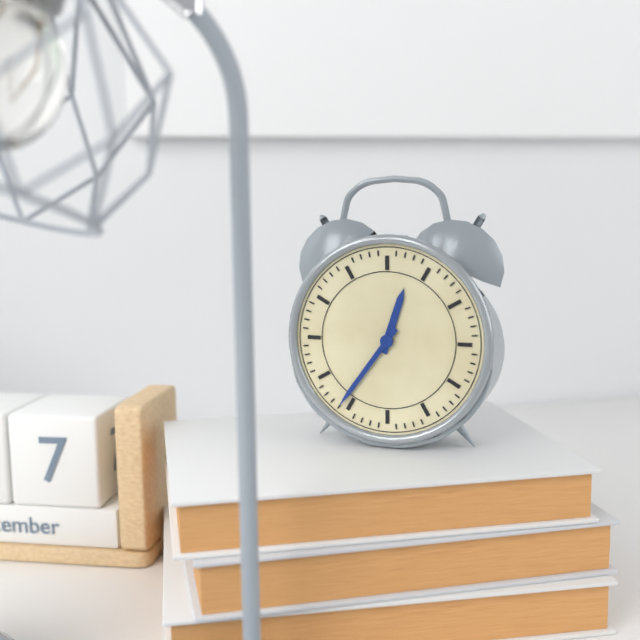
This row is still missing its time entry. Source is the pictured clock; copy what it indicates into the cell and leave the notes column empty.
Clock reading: 12:36
